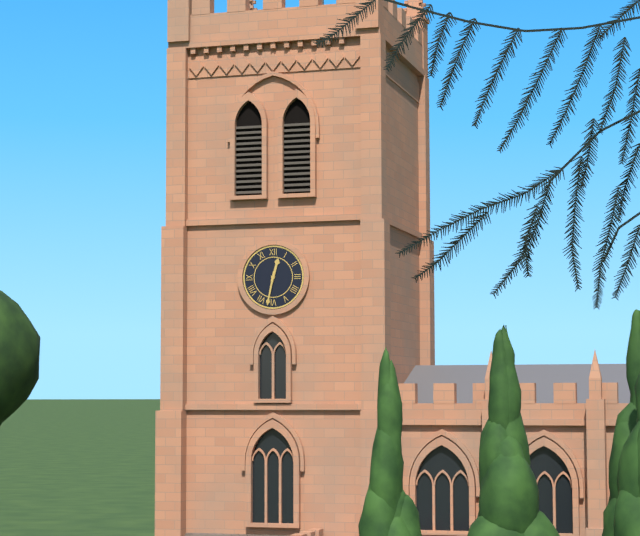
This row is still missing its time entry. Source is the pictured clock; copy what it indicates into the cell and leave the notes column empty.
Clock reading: 12:32
